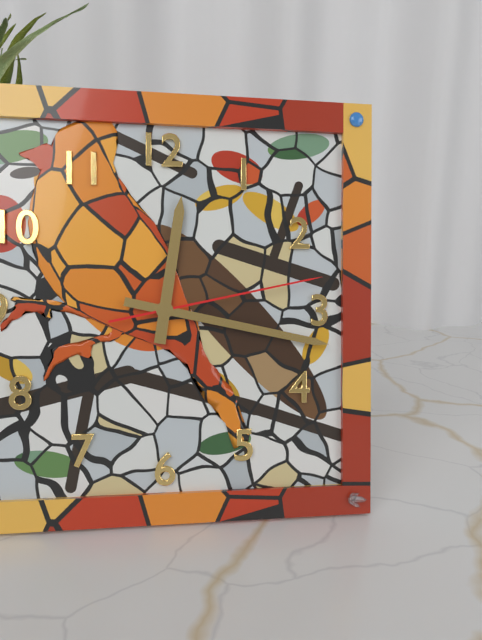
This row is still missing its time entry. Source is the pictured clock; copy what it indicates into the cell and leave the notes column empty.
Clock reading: 12:17:13
